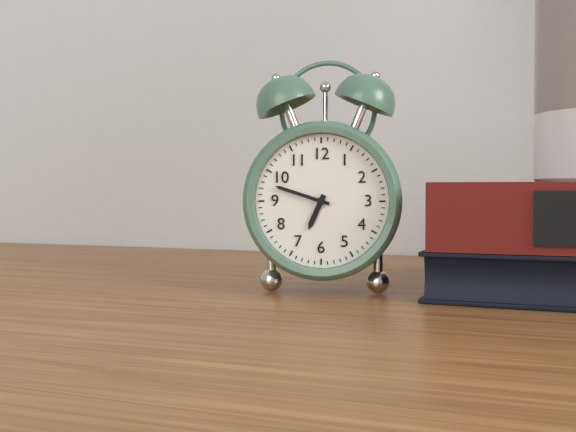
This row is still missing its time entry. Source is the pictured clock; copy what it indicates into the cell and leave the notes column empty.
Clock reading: 6:48
